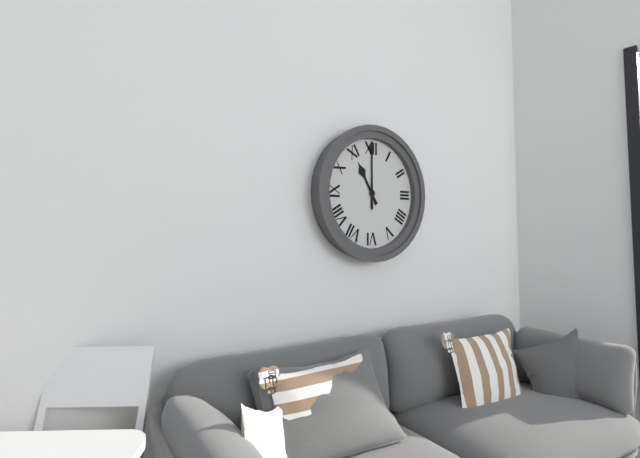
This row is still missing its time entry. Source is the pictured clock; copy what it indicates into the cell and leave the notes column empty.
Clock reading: 11:00
